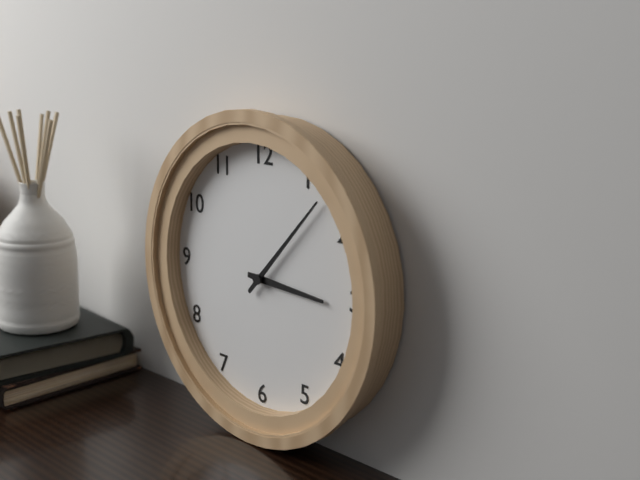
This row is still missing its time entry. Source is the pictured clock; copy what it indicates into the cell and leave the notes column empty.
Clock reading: 3:07
